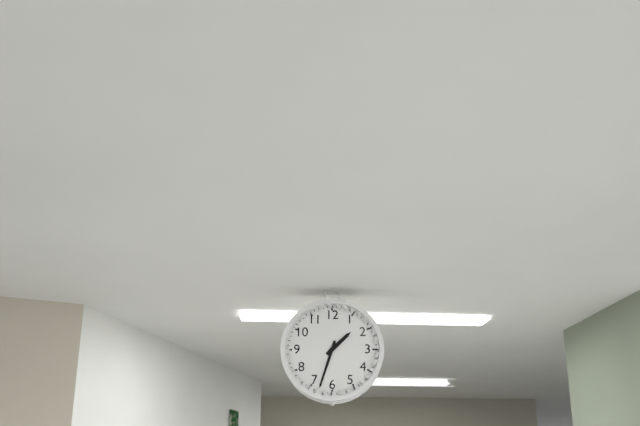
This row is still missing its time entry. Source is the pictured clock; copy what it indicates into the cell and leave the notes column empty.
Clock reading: 1:33
